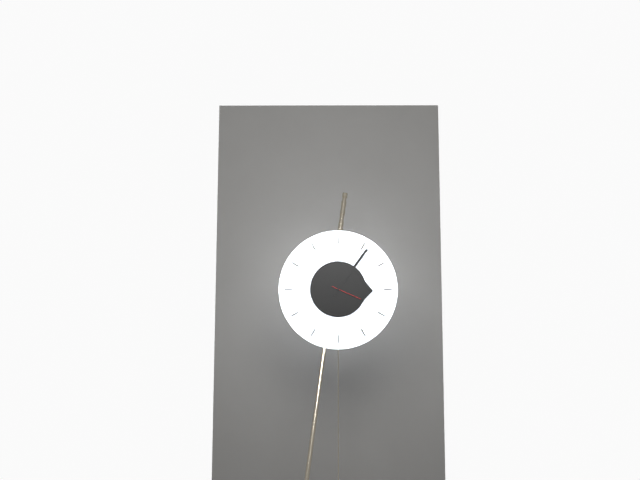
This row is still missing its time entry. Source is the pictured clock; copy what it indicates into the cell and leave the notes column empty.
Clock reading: 3:06:19
